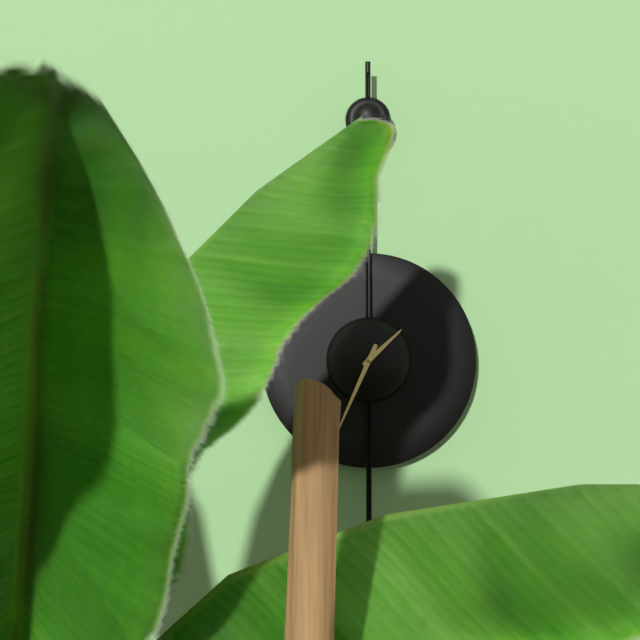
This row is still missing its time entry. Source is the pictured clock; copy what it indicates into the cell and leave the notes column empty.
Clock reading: 1:34
